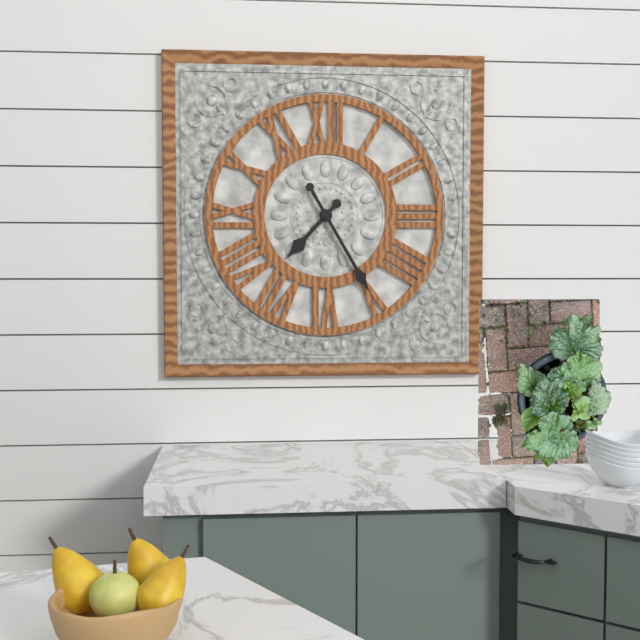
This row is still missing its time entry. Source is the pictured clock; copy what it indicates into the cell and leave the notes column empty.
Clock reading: 7:25
